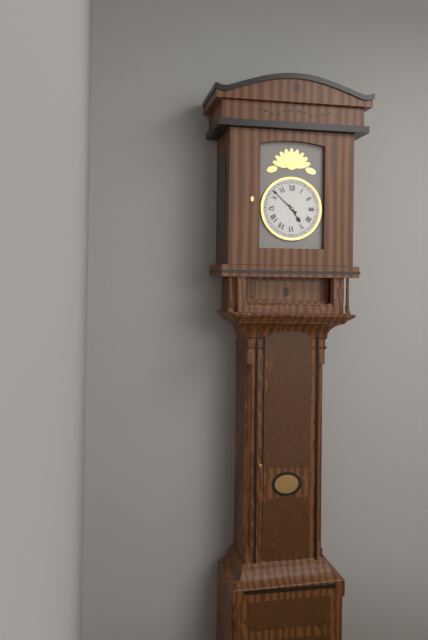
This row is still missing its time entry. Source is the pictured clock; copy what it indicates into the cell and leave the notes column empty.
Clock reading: 4:52
